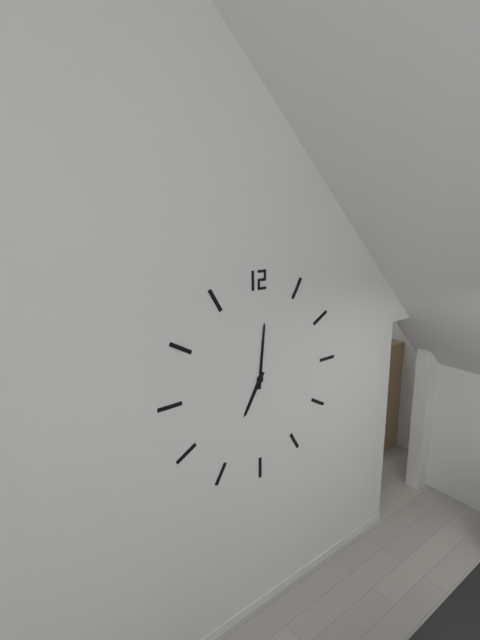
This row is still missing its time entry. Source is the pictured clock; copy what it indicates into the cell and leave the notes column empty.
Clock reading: 7:01
